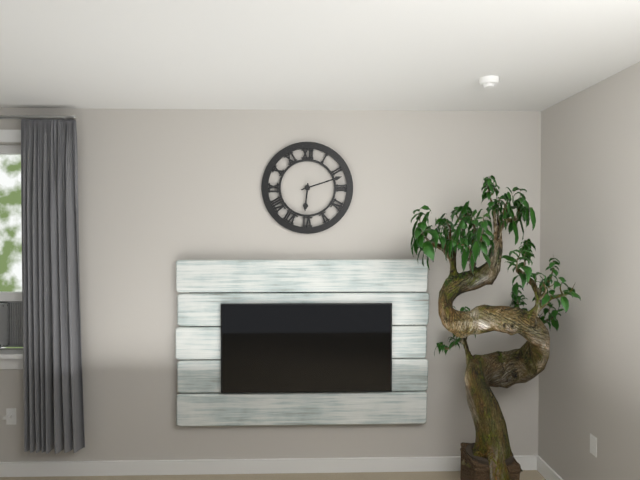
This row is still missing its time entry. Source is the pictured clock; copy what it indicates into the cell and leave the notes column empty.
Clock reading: 6:12
